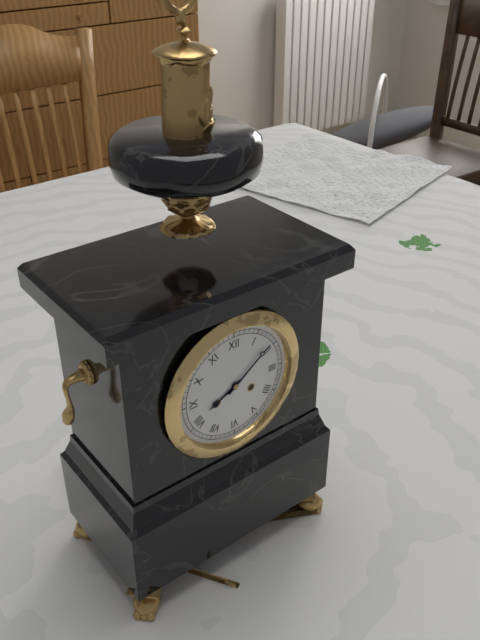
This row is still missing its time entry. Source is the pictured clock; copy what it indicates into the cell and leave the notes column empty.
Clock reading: 8:09
